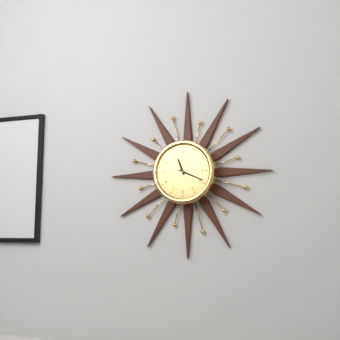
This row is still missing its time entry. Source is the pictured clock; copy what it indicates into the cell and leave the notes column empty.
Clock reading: 11:19
